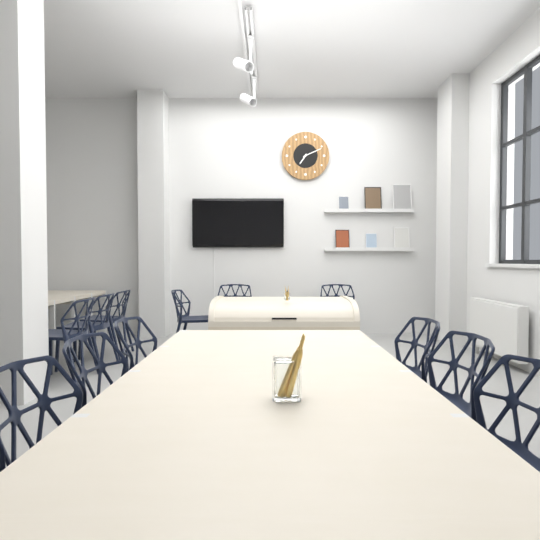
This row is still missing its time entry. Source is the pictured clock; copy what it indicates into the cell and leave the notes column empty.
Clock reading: 7:11
